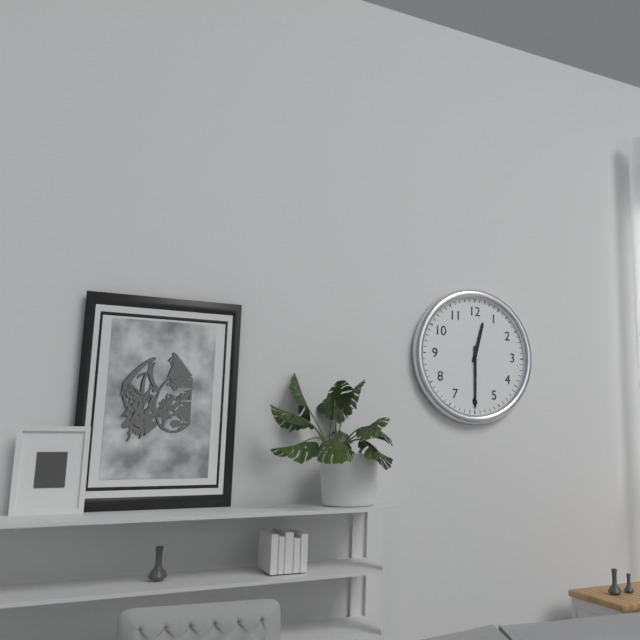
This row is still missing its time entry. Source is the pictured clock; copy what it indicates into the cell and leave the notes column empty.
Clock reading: 12:30
